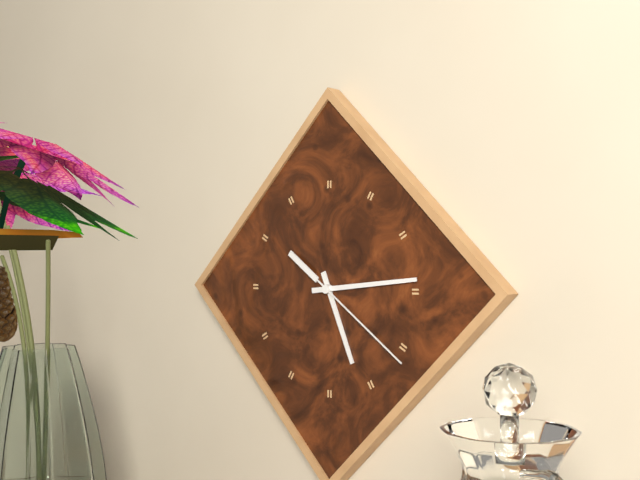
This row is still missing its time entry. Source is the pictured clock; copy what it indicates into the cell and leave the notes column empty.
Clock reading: 5:14:21
